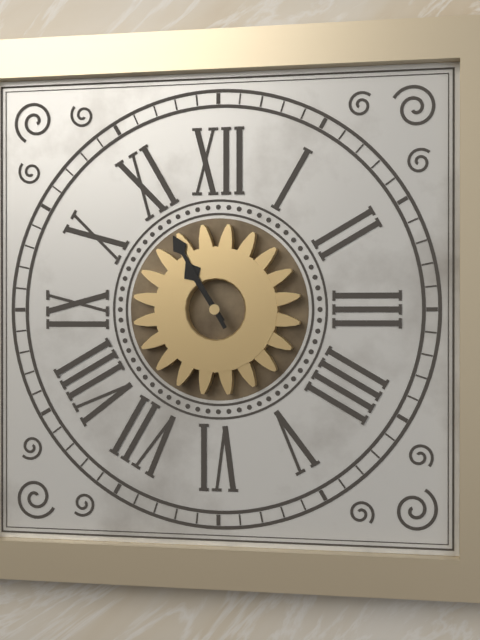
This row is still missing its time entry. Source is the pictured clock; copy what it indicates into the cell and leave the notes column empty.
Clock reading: 10:55
